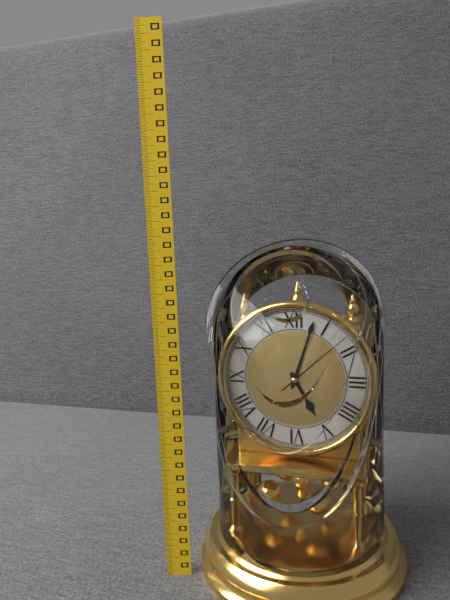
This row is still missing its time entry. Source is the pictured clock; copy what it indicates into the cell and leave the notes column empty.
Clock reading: 5:03:08
